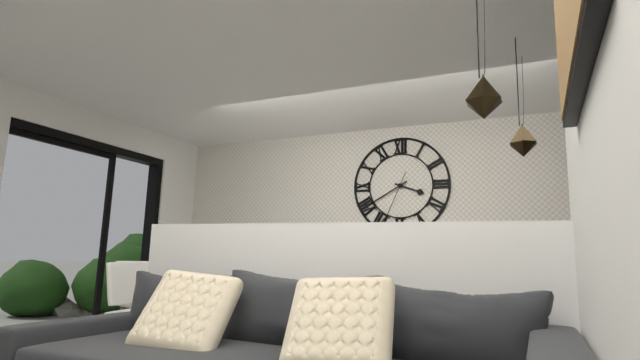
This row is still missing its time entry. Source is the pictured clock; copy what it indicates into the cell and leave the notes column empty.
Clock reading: 3:40:34
